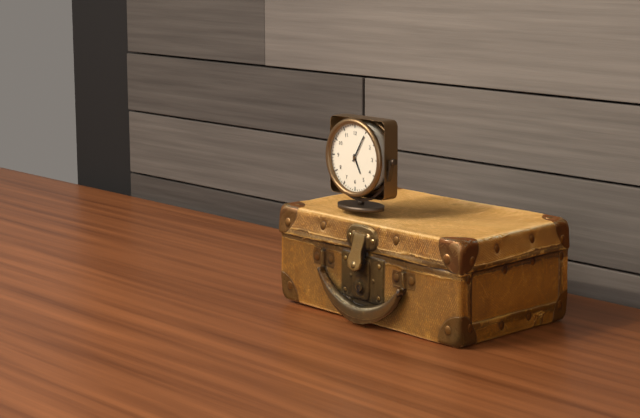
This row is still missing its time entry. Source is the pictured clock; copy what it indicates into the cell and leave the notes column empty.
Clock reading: 5:05
